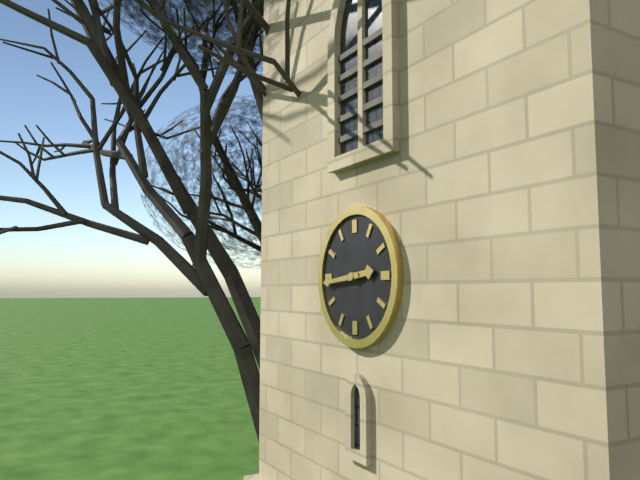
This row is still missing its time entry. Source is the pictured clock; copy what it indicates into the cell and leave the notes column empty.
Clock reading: 2:44
